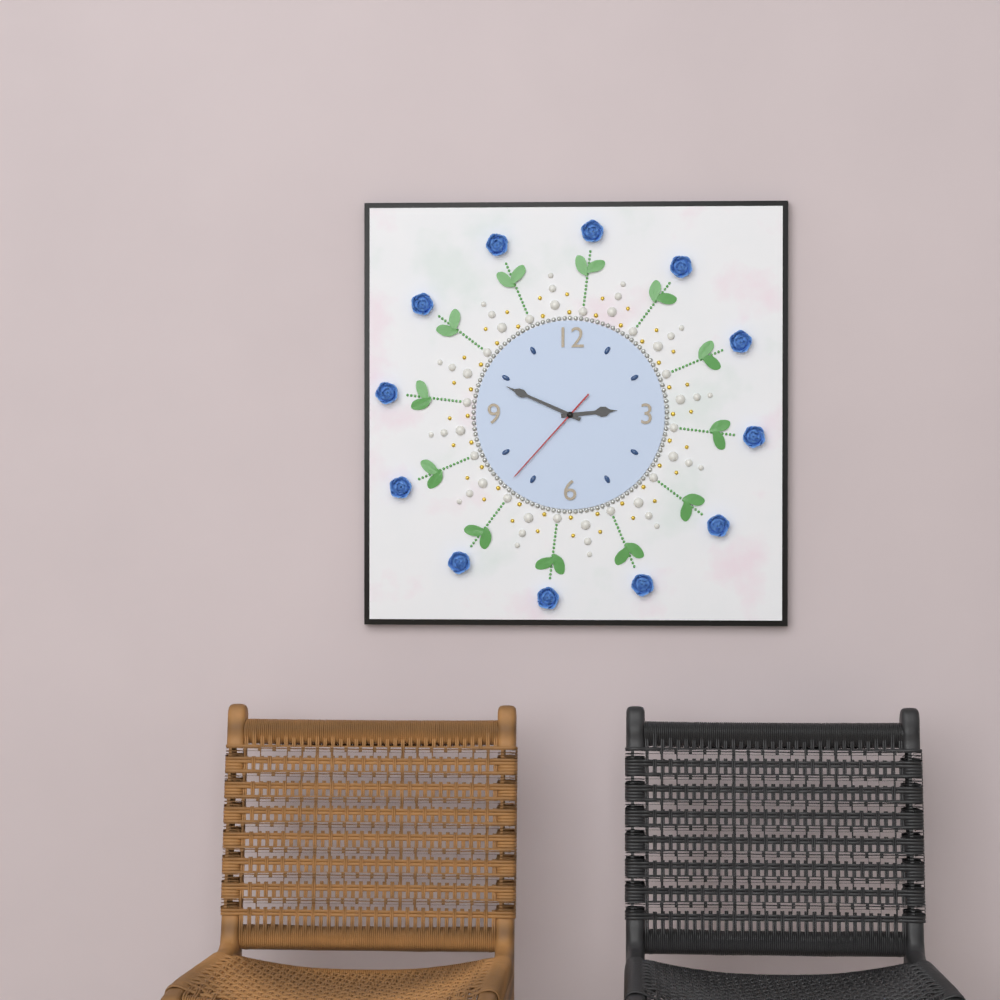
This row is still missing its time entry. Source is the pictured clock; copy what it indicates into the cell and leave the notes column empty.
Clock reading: 2:49:37
